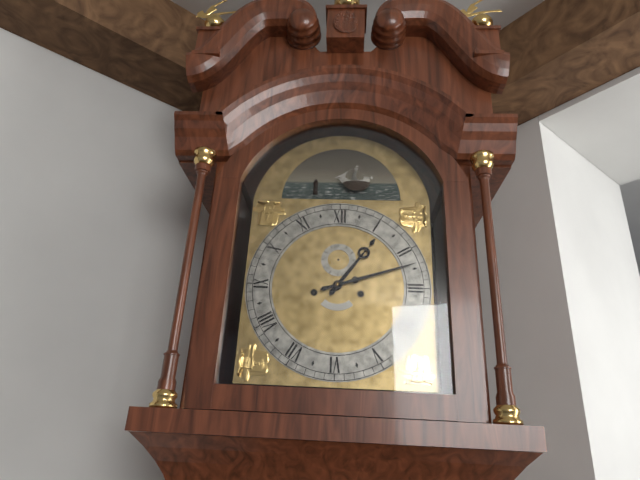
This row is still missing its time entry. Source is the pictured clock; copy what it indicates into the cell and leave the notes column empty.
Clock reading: 1:12
